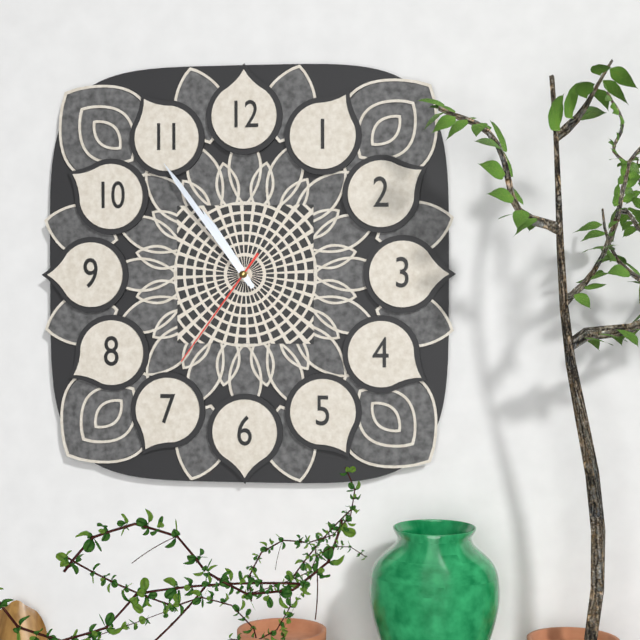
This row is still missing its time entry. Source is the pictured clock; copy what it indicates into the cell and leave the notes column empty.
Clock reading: 10:54:36
